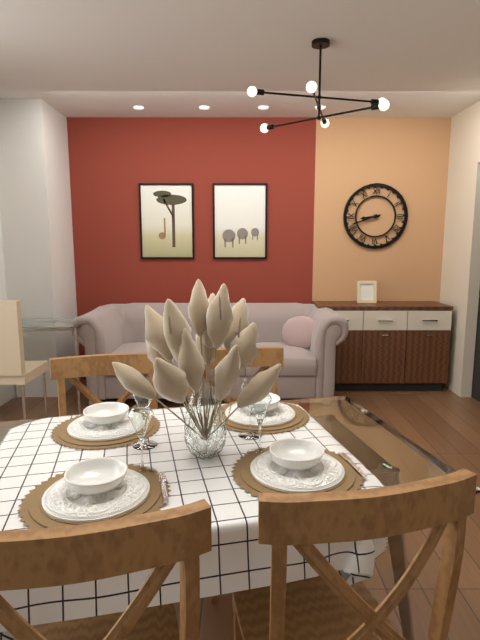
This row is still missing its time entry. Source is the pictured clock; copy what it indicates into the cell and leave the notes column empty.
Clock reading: 8:42
